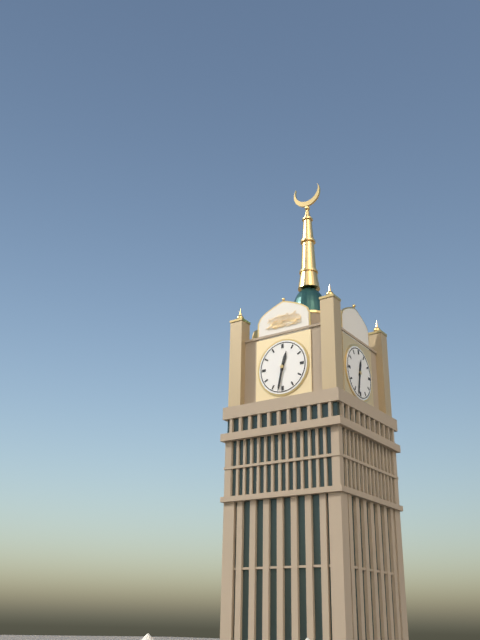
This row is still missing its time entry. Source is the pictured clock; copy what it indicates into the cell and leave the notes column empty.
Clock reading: 12:32
